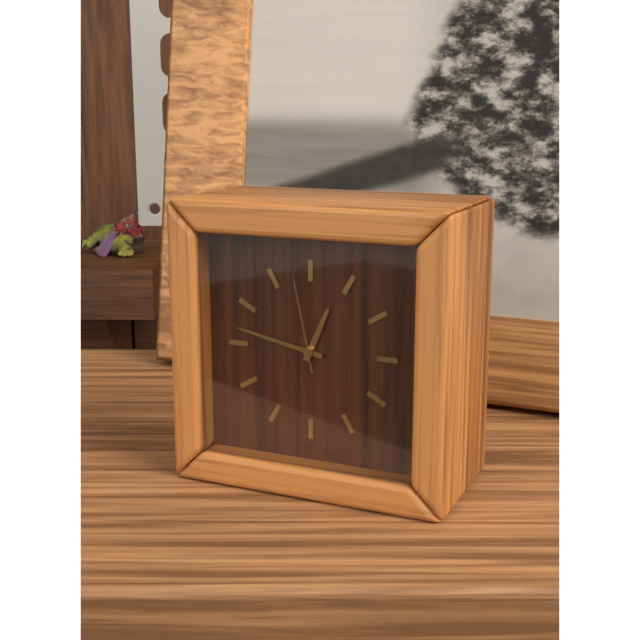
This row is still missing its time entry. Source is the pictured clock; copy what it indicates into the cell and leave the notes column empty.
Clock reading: 12:47:58
